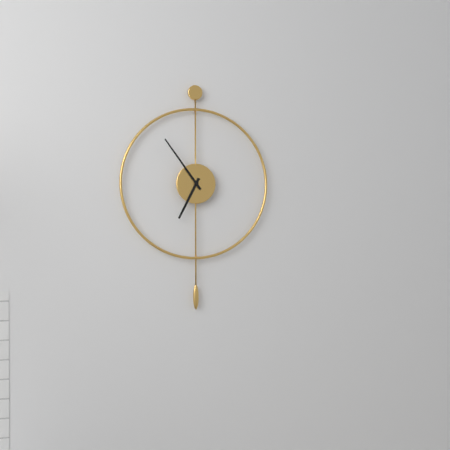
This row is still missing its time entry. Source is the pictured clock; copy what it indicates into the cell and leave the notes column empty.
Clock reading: 6:54
